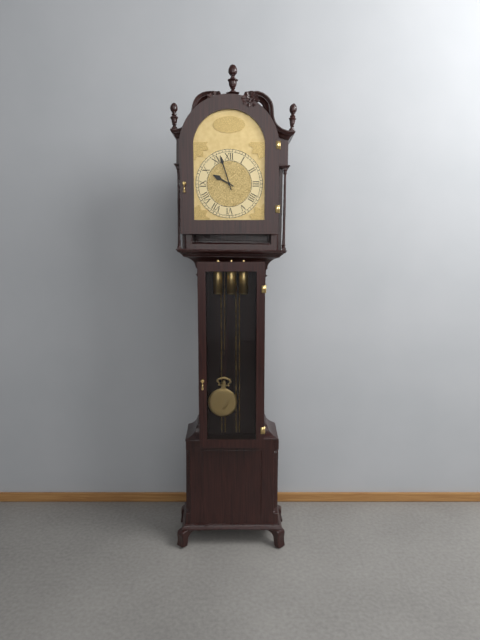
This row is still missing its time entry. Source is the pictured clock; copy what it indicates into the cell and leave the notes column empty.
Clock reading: 9:57
